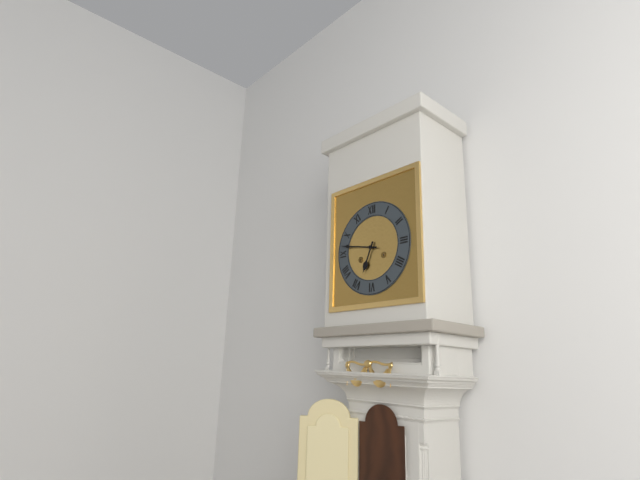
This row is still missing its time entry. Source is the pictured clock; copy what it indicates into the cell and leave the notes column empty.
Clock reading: 6:47
